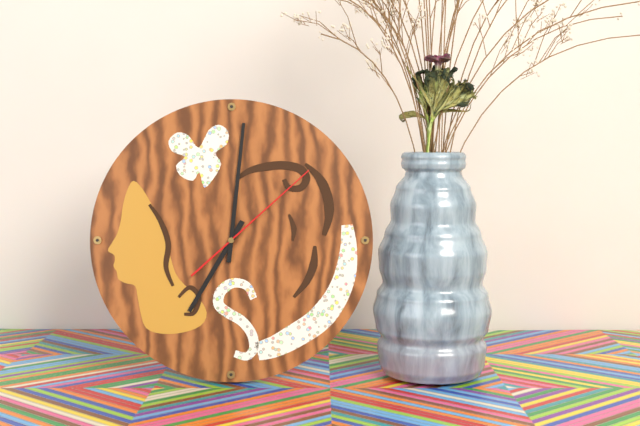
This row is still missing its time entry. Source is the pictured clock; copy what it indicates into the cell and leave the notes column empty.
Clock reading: 7:01:08
